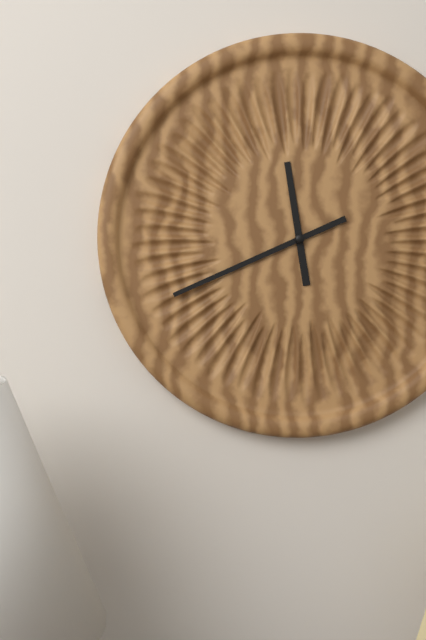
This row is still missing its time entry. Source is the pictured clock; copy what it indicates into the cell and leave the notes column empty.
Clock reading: 11:41
